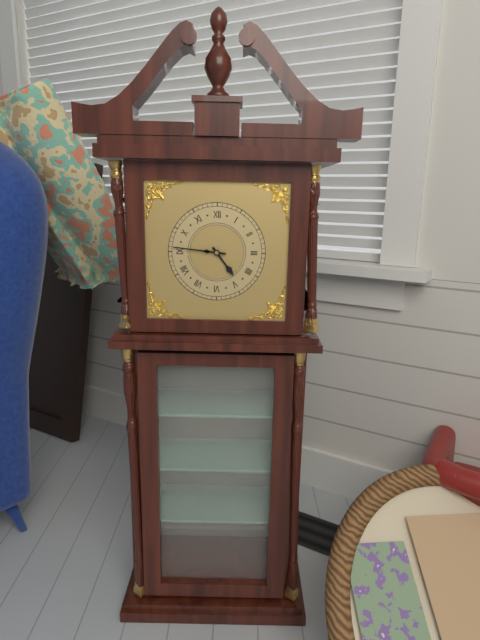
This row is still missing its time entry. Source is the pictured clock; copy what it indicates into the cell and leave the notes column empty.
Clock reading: 4:46
